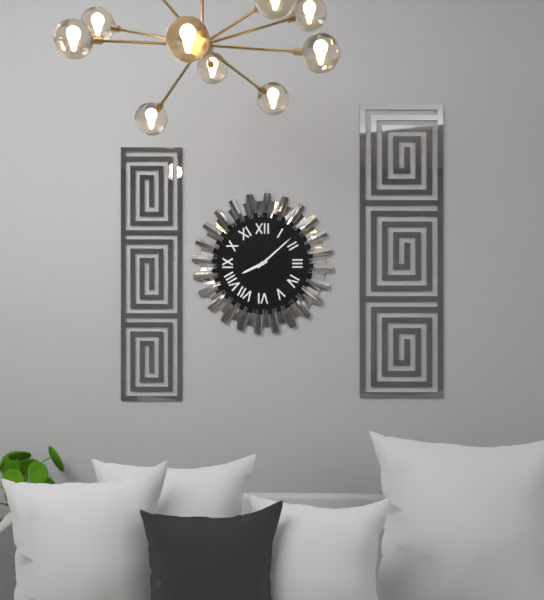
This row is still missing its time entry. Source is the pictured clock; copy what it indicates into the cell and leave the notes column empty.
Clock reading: 8:08
